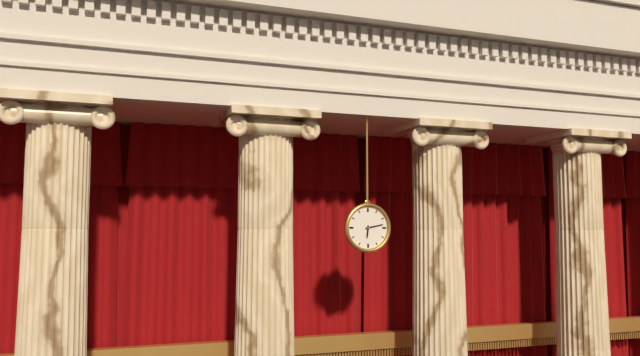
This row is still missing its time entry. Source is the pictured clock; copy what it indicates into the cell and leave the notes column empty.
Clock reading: 6:13
